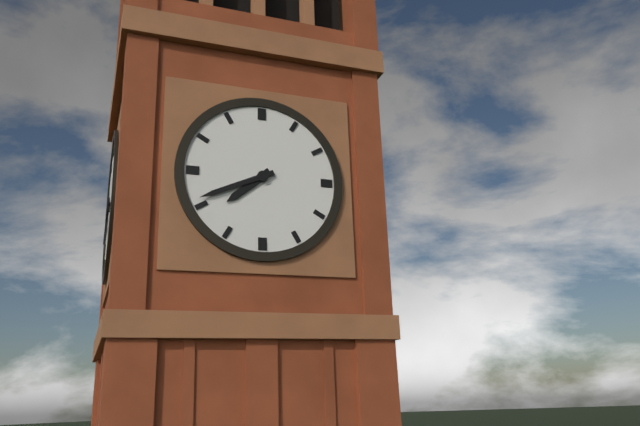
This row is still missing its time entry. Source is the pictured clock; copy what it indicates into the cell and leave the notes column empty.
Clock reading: 7:41
